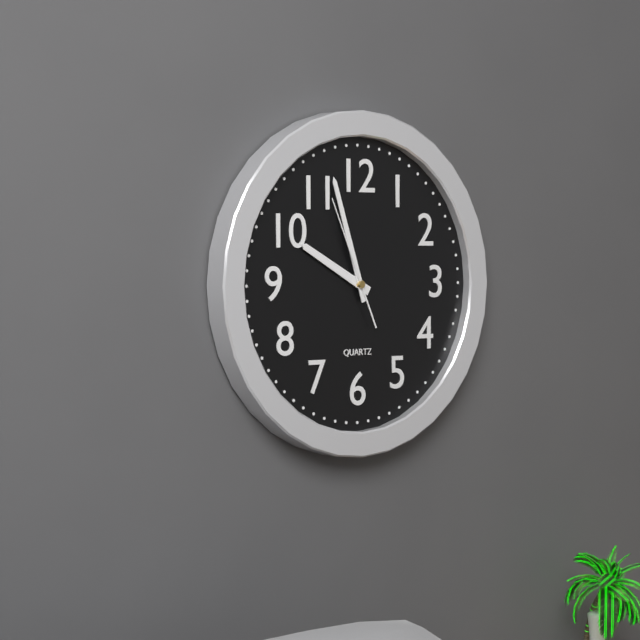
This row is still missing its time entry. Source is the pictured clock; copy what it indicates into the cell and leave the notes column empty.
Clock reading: 9:57:56
